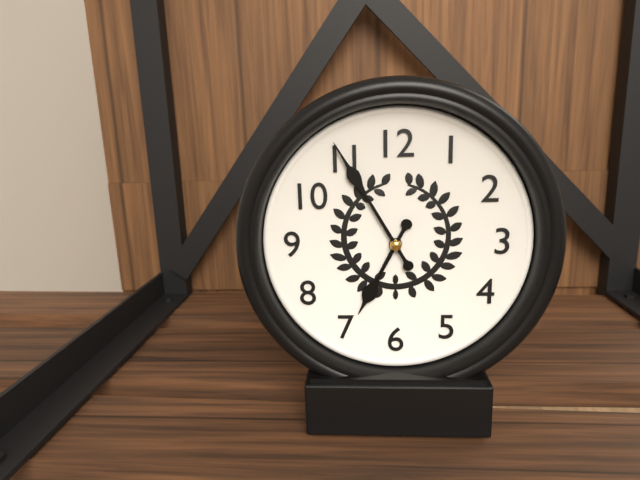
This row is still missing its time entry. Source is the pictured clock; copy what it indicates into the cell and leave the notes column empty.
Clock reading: 6:55
